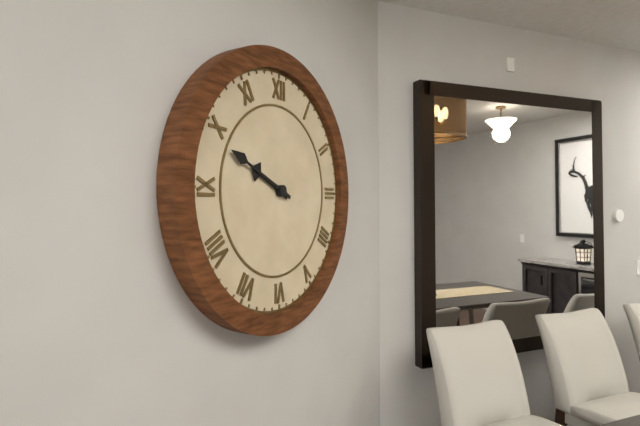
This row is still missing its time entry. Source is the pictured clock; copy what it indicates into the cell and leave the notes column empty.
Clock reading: 9:49
